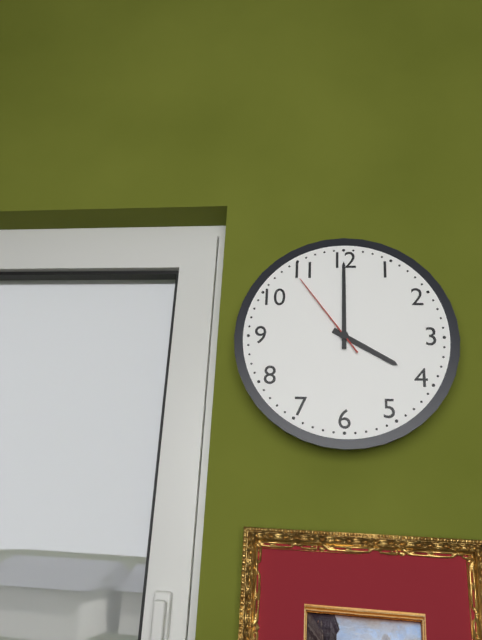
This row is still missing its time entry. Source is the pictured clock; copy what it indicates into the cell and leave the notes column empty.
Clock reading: 4:00:54
